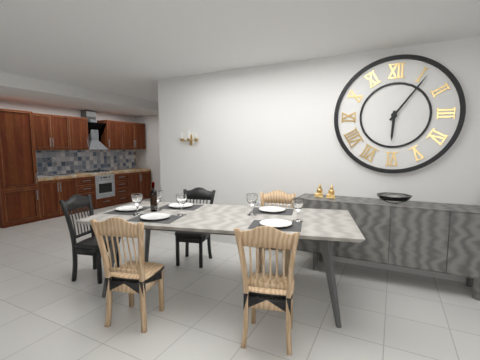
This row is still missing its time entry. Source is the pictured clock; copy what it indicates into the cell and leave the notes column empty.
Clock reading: 6:06
